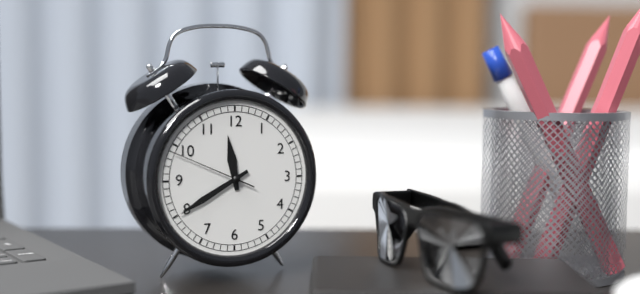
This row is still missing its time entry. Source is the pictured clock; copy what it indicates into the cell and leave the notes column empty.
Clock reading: 11:40:49
